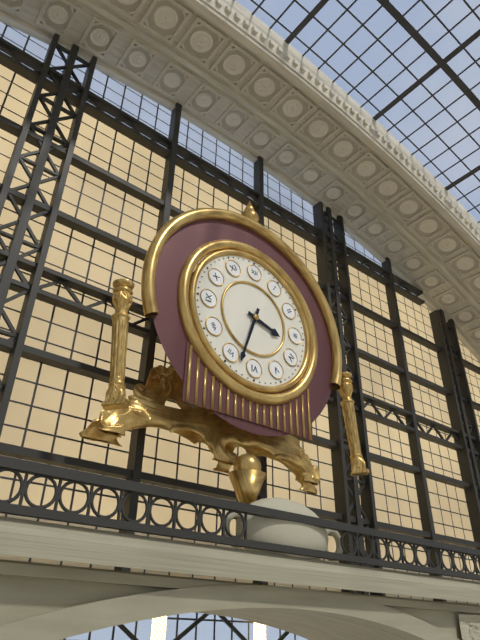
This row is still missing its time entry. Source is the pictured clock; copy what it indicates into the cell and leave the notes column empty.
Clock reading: 3:33
